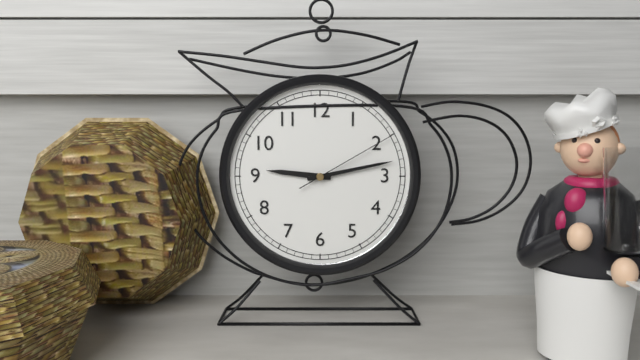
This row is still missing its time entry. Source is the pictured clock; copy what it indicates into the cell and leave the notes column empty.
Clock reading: 9:13:10
